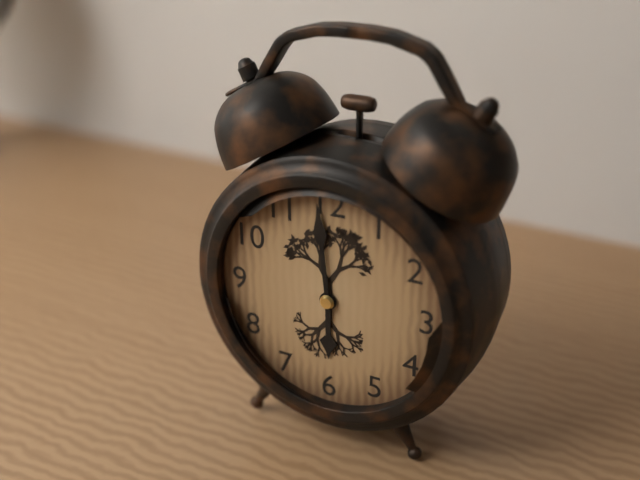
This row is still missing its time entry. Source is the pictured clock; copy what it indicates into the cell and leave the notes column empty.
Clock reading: 5:59
